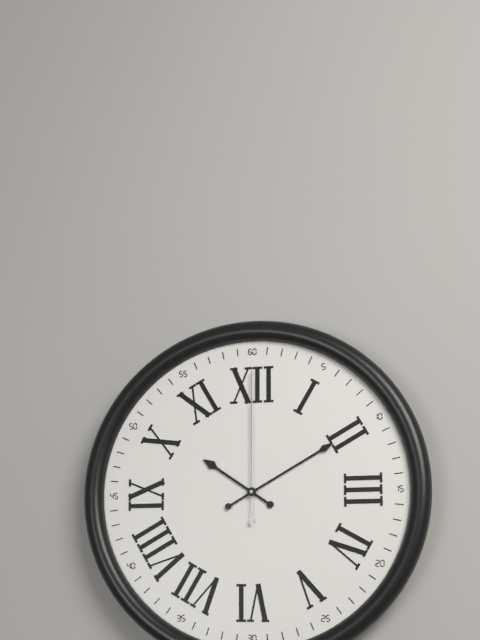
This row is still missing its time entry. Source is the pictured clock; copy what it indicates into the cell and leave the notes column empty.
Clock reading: 10:10:00
